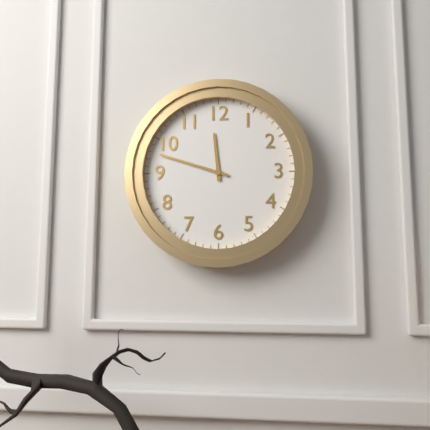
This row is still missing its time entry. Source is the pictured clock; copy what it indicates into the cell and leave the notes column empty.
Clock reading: 11:48
